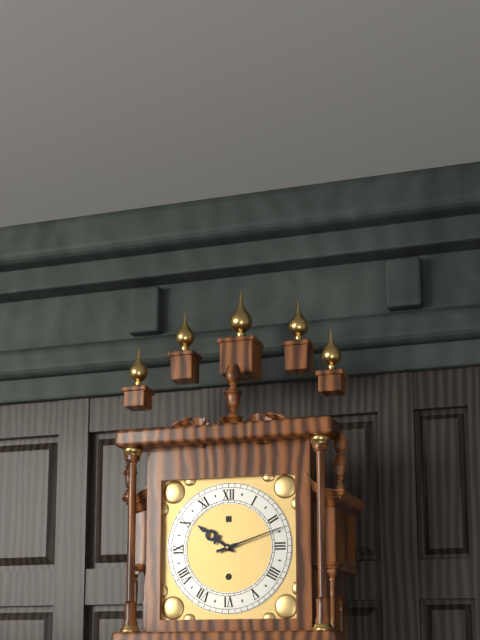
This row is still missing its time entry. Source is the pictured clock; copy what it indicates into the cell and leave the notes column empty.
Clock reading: 10:12
